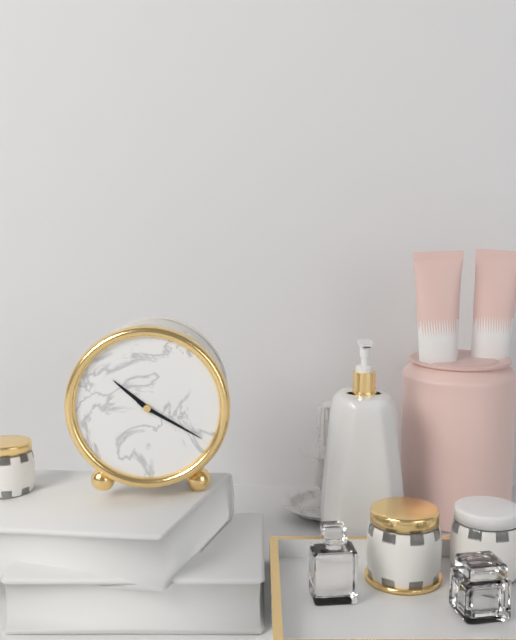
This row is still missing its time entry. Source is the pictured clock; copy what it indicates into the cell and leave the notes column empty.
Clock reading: 10:20
